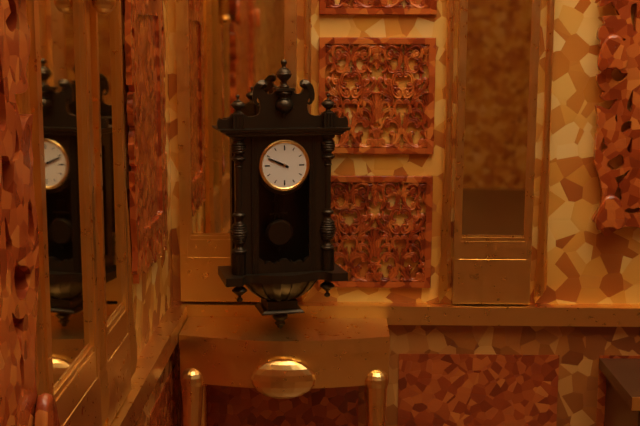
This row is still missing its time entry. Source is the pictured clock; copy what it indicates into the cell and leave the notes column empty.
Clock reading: 9:49
